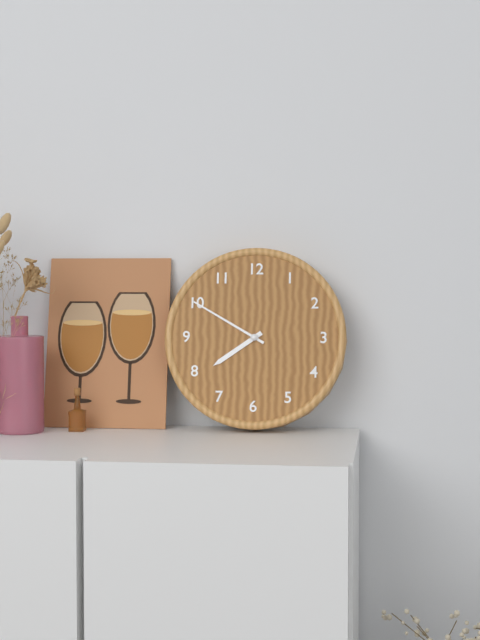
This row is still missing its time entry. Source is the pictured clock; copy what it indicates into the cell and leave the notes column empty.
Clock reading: 7:50
